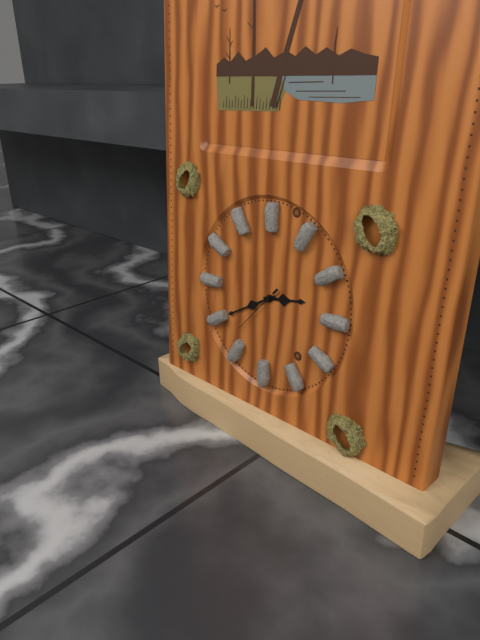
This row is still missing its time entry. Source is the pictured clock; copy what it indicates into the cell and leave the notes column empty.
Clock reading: 2:40:37
